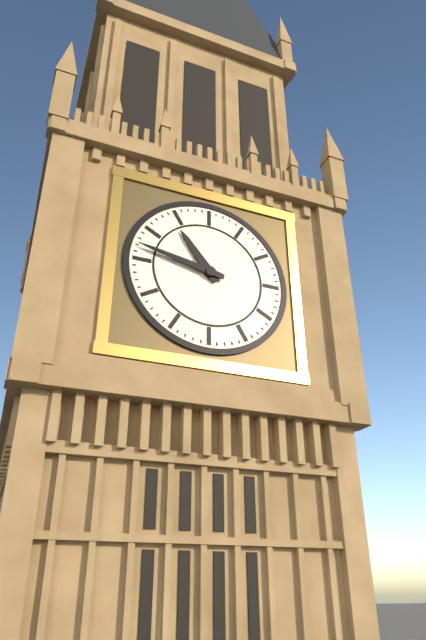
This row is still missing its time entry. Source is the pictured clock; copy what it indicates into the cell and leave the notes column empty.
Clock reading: 10:47
